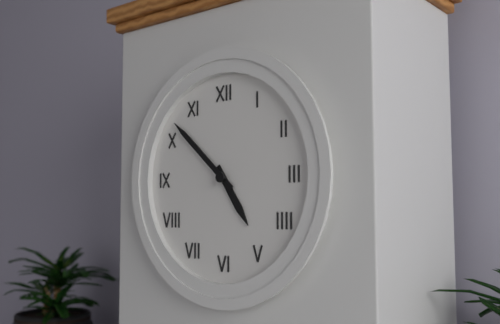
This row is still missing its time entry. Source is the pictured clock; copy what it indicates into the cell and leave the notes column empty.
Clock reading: 4:52
